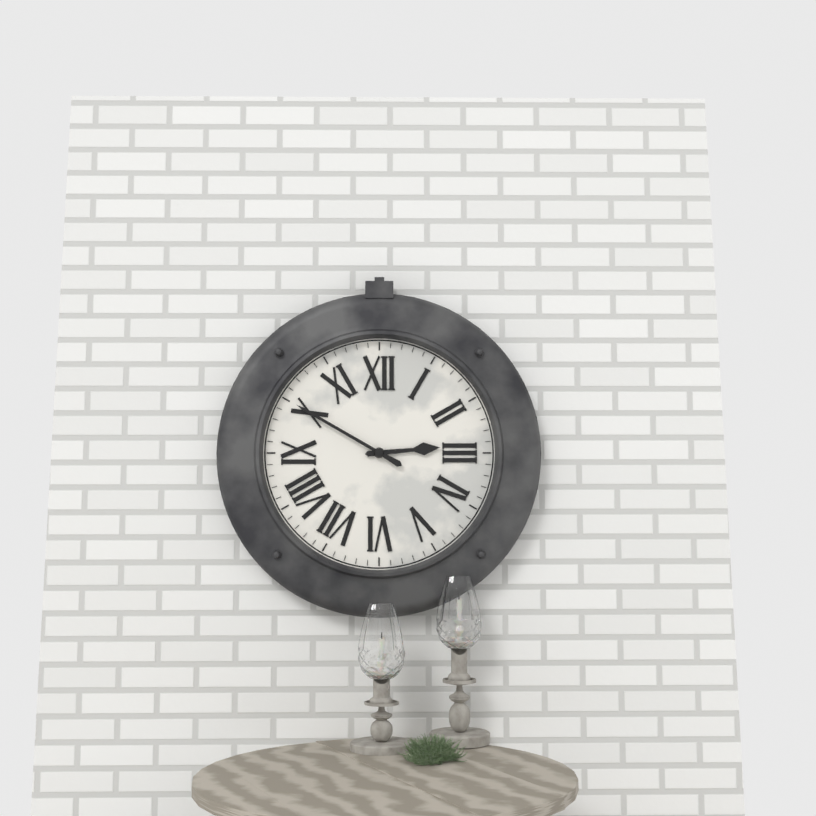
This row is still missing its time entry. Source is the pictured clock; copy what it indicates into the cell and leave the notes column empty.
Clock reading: 2:50
